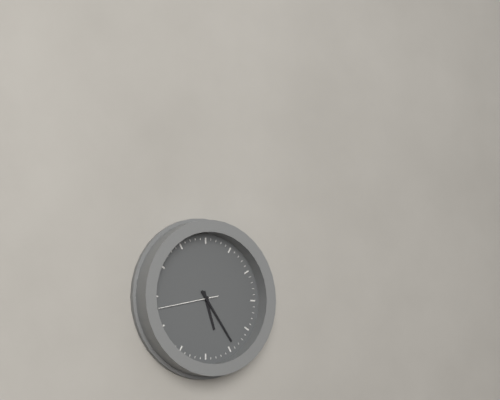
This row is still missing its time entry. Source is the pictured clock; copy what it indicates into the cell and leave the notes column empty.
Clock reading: 5:24:43
